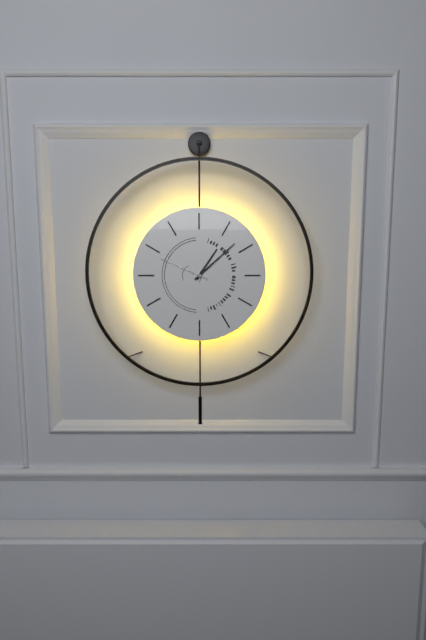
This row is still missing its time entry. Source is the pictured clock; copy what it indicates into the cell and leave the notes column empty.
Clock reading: 1:08:49
